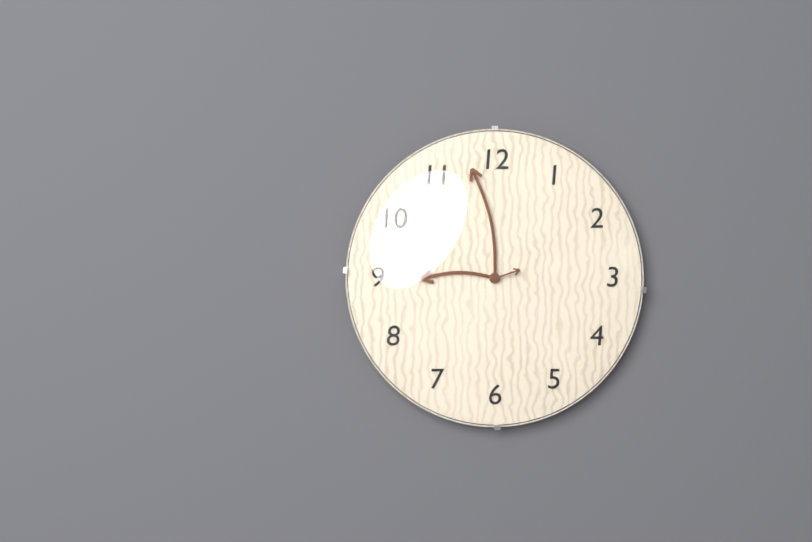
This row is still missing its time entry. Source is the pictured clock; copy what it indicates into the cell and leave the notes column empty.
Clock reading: 8:58
